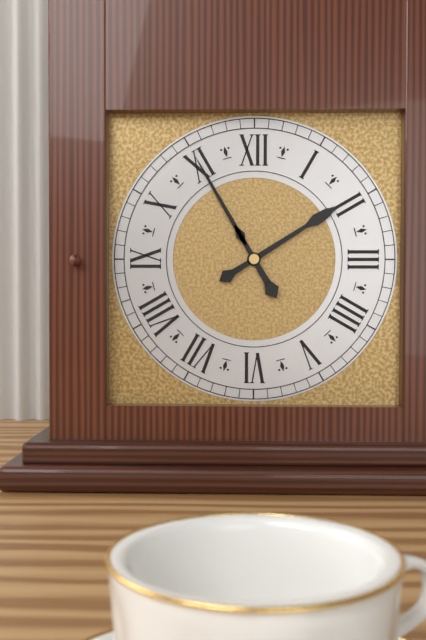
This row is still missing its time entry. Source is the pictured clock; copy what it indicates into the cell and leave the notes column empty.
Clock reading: 1:55
